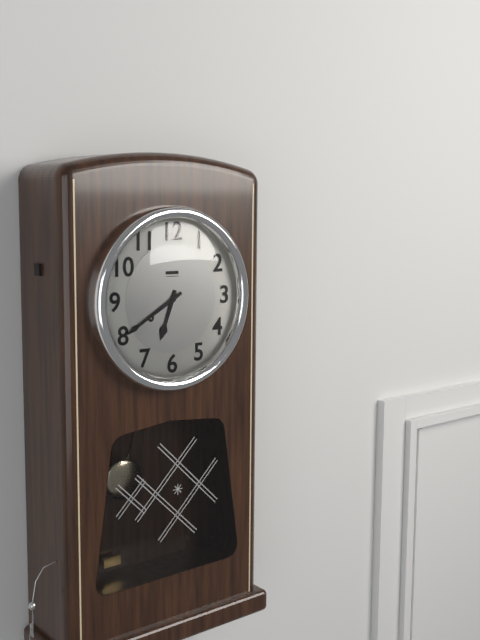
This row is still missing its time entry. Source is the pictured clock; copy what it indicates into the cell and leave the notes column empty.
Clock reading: 6:40
